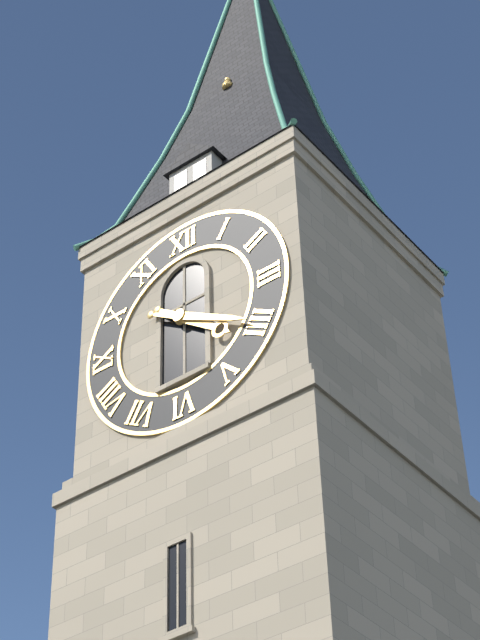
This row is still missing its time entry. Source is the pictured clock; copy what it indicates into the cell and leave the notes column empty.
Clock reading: 4:20
